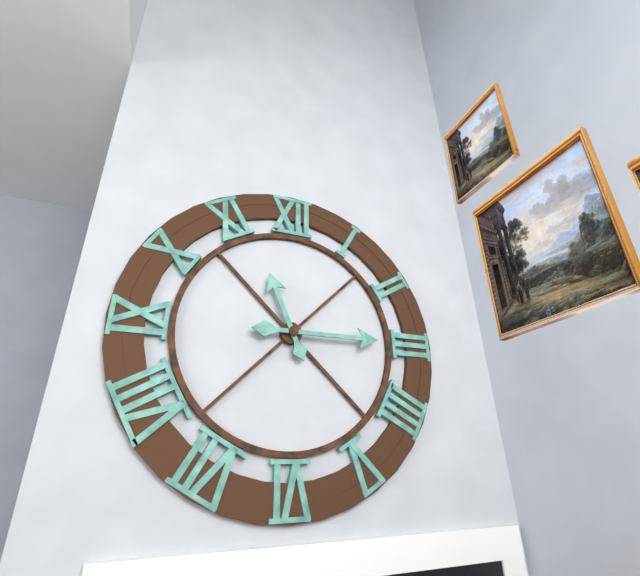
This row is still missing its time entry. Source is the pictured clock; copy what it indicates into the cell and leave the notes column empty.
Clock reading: 11:15
